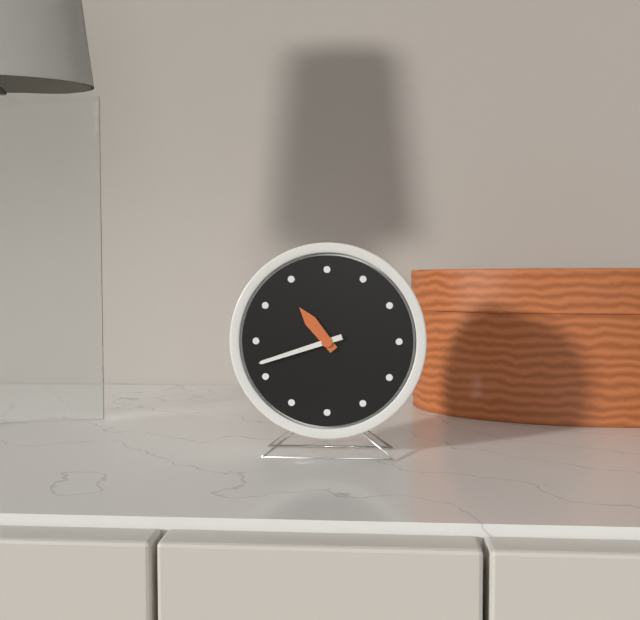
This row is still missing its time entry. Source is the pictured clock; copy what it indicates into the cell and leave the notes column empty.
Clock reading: 10:42
